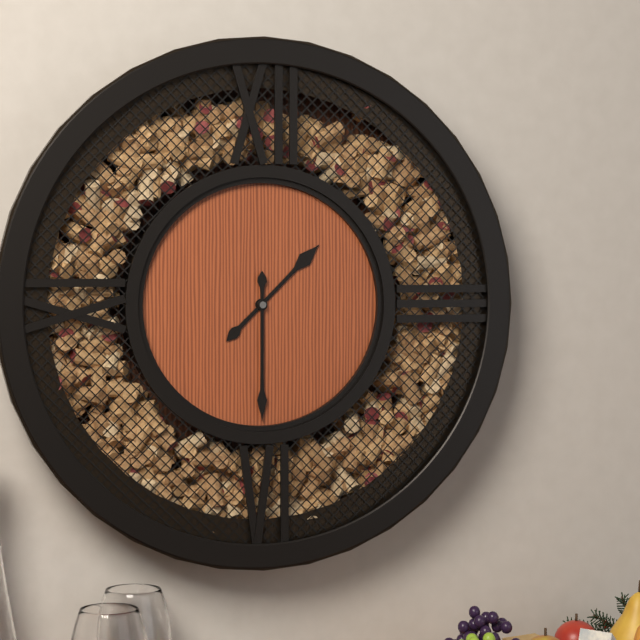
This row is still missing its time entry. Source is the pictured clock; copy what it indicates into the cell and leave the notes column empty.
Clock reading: 1:30
